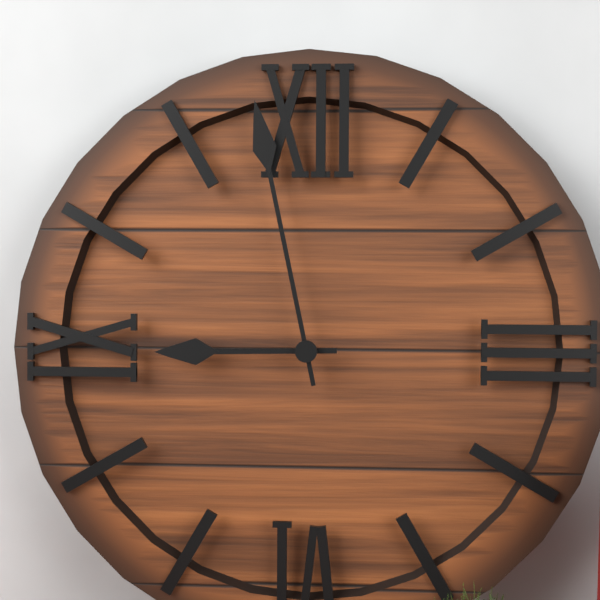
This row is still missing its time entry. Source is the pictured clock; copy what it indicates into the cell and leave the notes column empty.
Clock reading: 8:58
